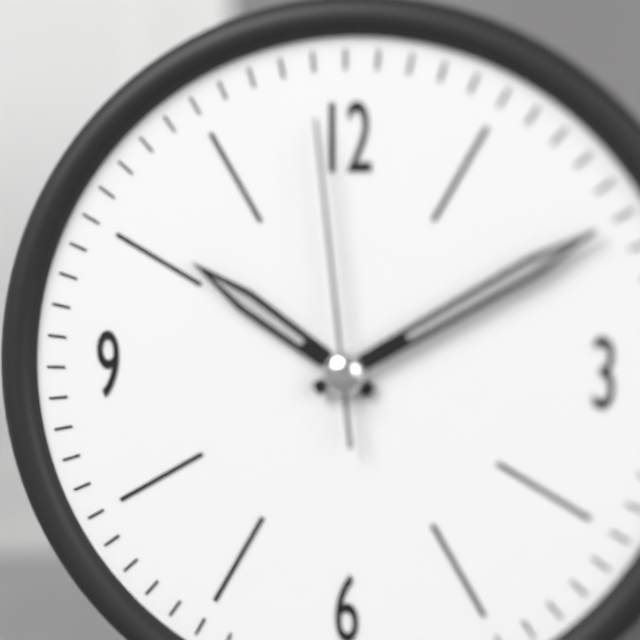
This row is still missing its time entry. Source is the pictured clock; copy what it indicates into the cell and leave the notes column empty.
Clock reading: 10:10:59
